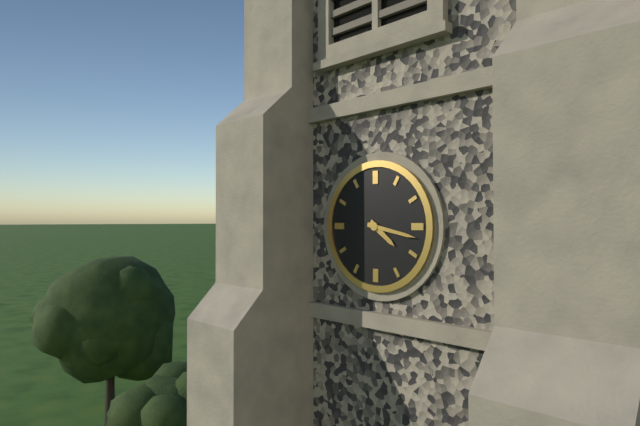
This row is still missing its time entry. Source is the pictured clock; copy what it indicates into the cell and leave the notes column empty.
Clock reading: 4:17
